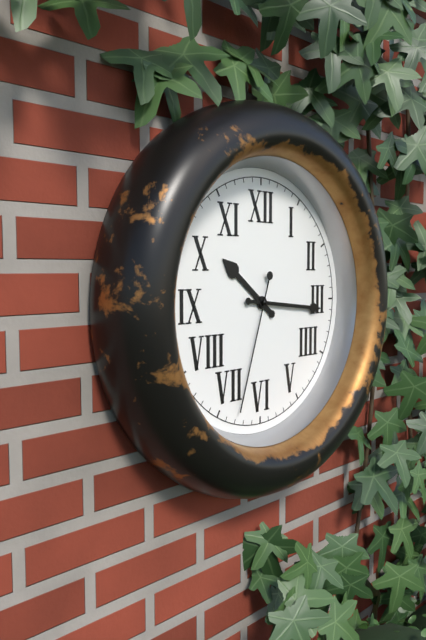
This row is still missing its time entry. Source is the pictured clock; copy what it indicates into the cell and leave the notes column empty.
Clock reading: 10:16:33
